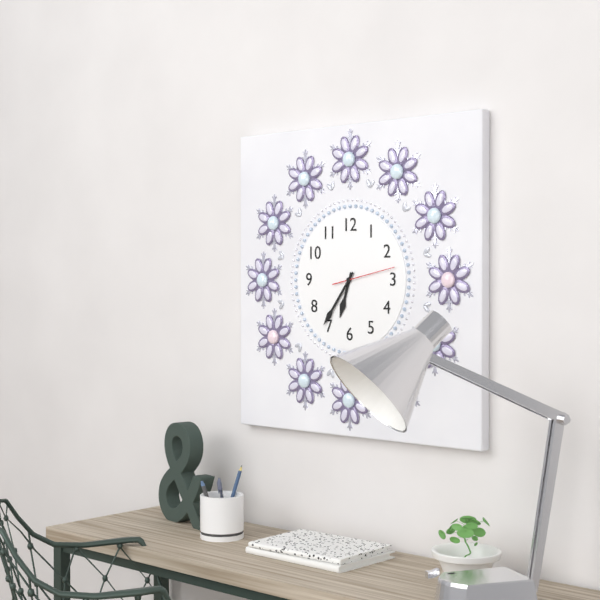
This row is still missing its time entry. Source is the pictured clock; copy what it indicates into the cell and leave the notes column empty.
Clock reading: 6:36:13
